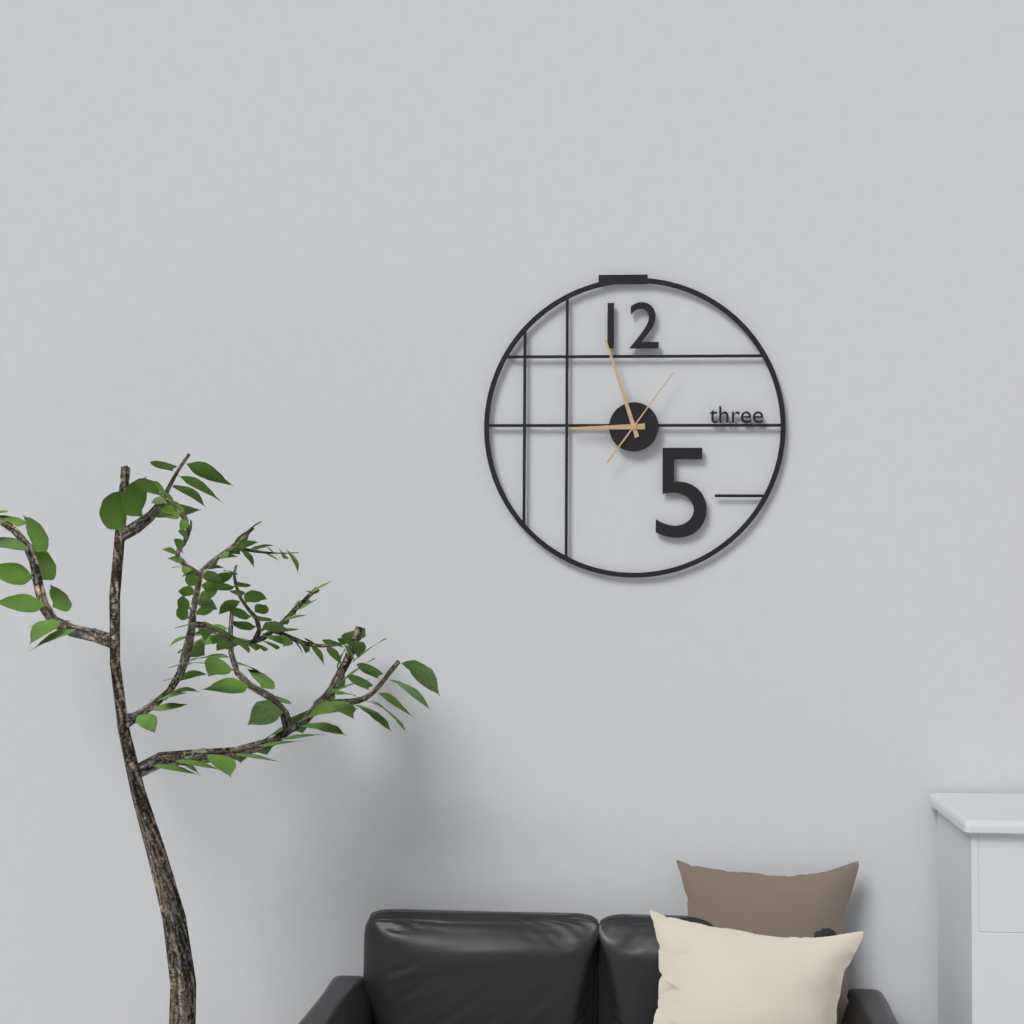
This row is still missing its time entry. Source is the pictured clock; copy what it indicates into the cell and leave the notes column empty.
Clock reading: 8:57:06
